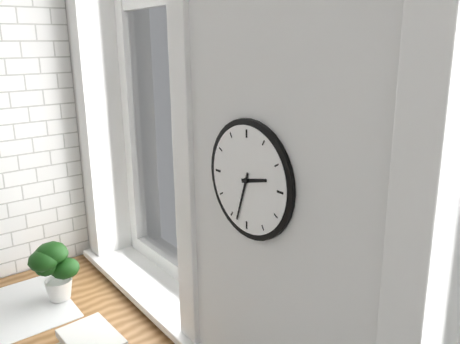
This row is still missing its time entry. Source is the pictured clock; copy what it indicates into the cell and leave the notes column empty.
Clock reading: 2:33
